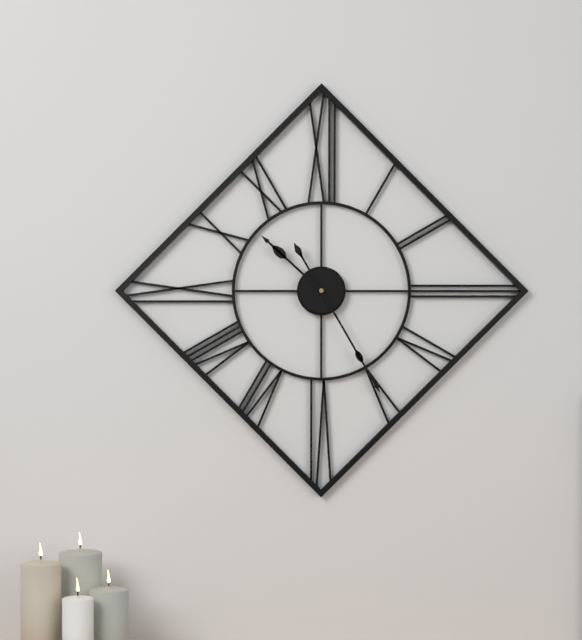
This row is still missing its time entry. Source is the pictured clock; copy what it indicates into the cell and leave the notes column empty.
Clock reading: 10:25
